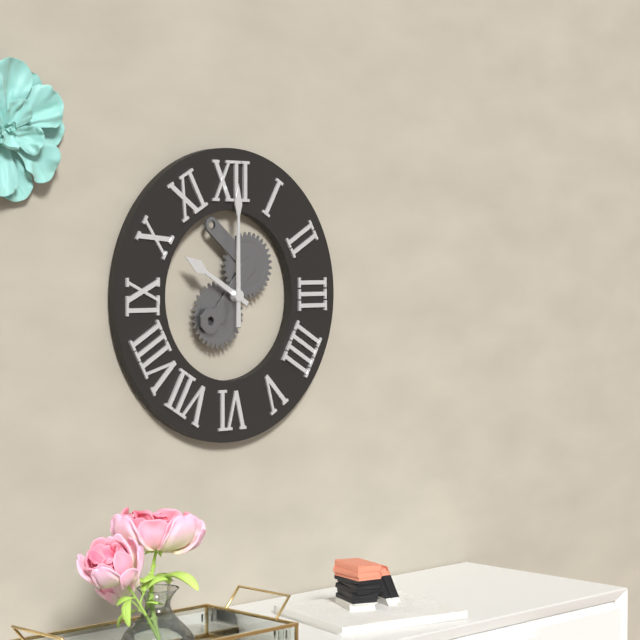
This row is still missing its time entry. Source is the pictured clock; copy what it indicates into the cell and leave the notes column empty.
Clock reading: 10:00
